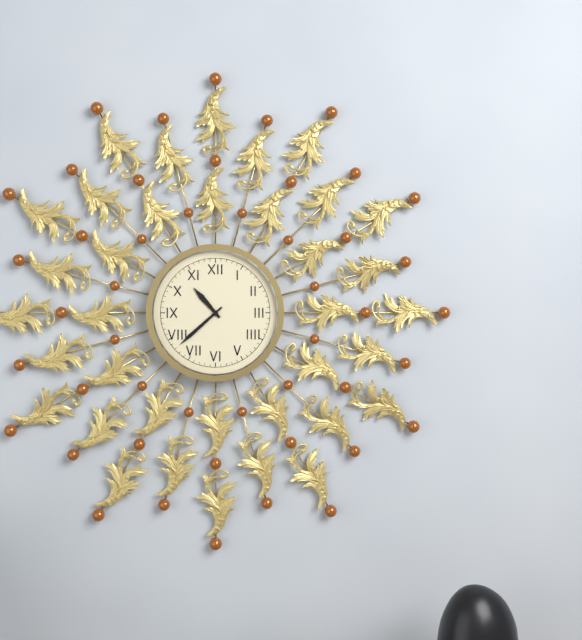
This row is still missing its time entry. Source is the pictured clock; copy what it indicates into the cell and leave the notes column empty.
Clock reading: 10:38
